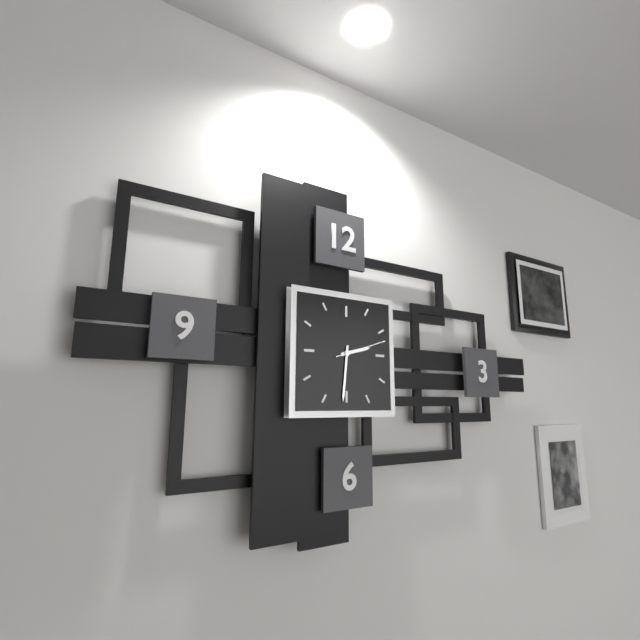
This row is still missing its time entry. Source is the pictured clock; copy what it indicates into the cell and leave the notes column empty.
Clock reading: 2:31:12
